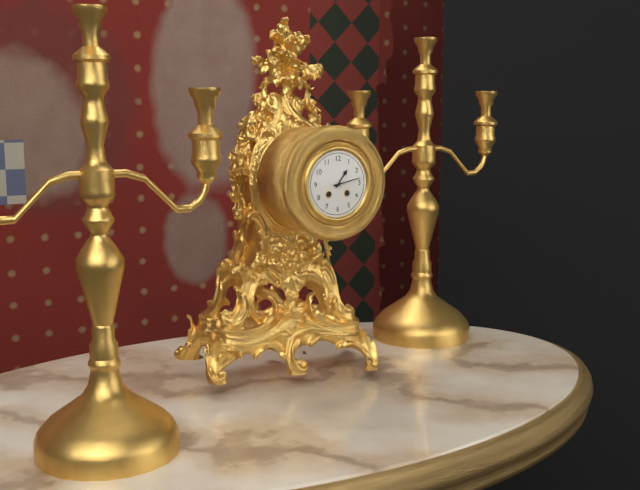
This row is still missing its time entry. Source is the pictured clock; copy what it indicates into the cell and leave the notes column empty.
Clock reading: 1:13
